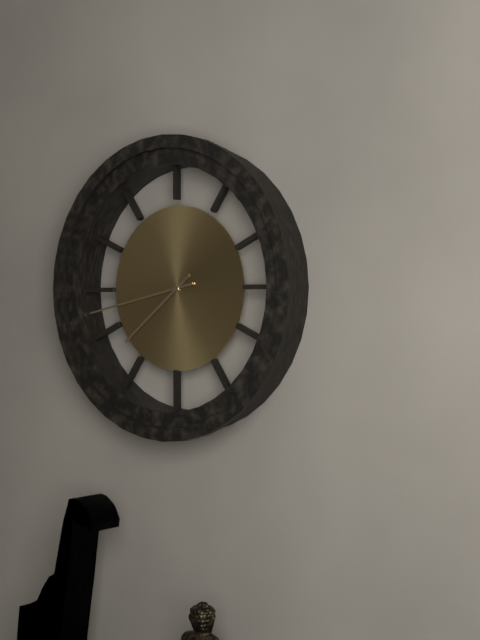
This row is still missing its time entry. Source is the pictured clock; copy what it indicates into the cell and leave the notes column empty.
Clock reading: 7:43
